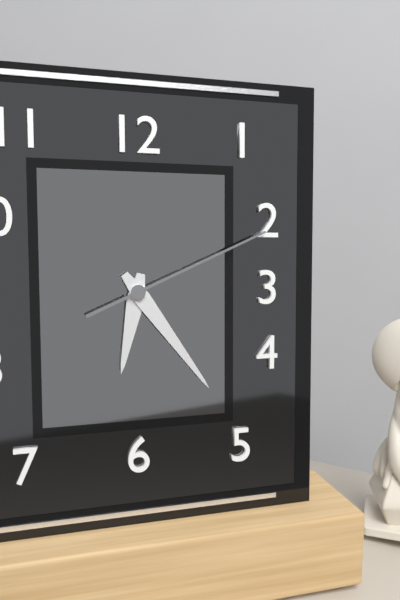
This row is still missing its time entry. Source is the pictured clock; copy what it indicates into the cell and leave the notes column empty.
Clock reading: 6:24:11
